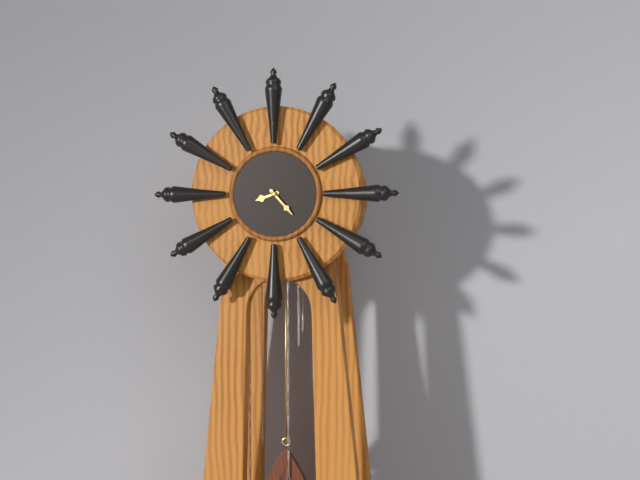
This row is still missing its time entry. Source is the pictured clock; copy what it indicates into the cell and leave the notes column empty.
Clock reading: 8:23
